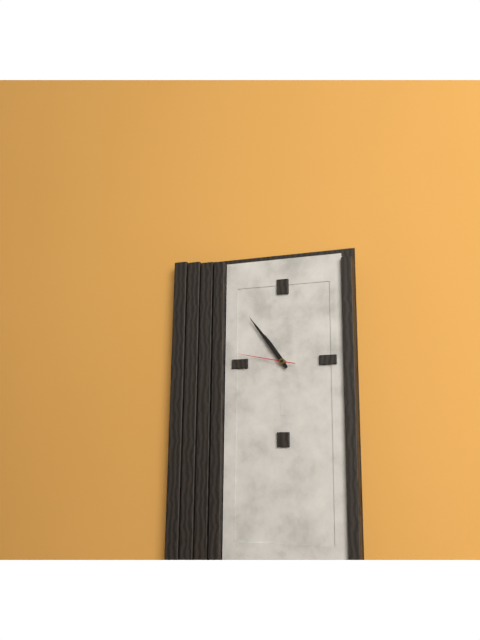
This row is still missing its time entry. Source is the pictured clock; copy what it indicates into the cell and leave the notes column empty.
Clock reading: 10:54:47
